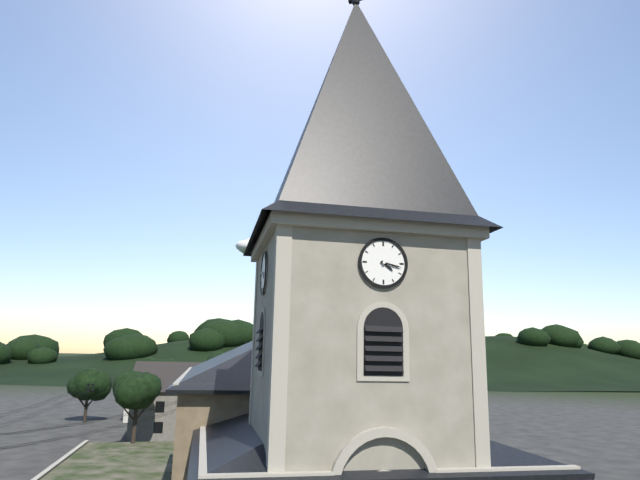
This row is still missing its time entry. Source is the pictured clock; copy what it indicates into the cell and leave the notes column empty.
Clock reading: 4:17
